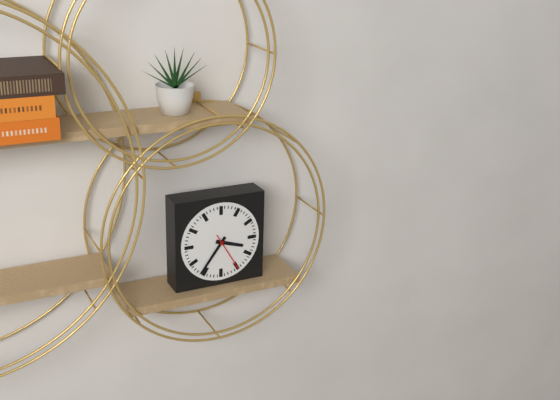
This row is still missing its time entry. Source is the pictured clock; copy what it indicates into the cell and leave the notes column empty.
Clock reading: 3:36
